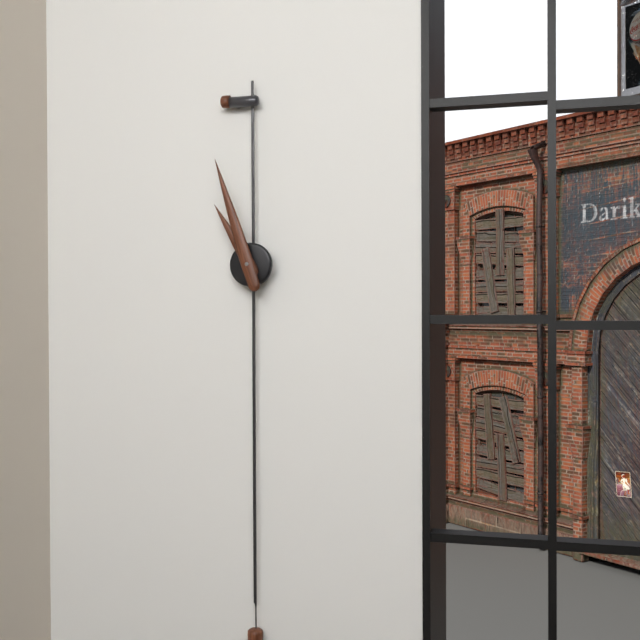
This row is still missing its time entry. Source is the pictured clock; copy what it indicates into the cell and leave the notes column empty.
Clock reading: 10:57
